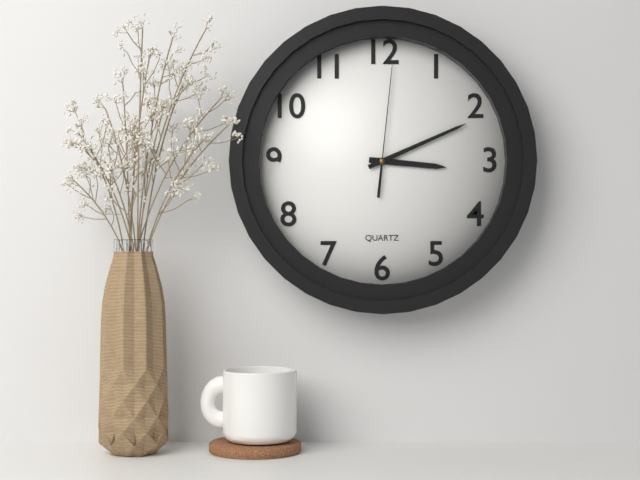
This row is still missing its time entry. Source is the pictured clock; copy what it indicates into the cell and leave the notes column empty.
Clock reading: 3:11:01
